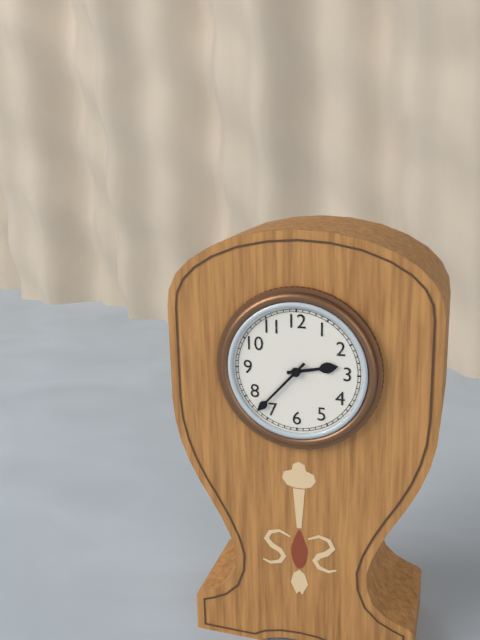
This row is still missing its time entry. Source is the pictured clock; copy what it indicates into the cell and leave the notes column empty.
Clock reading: 2:37
